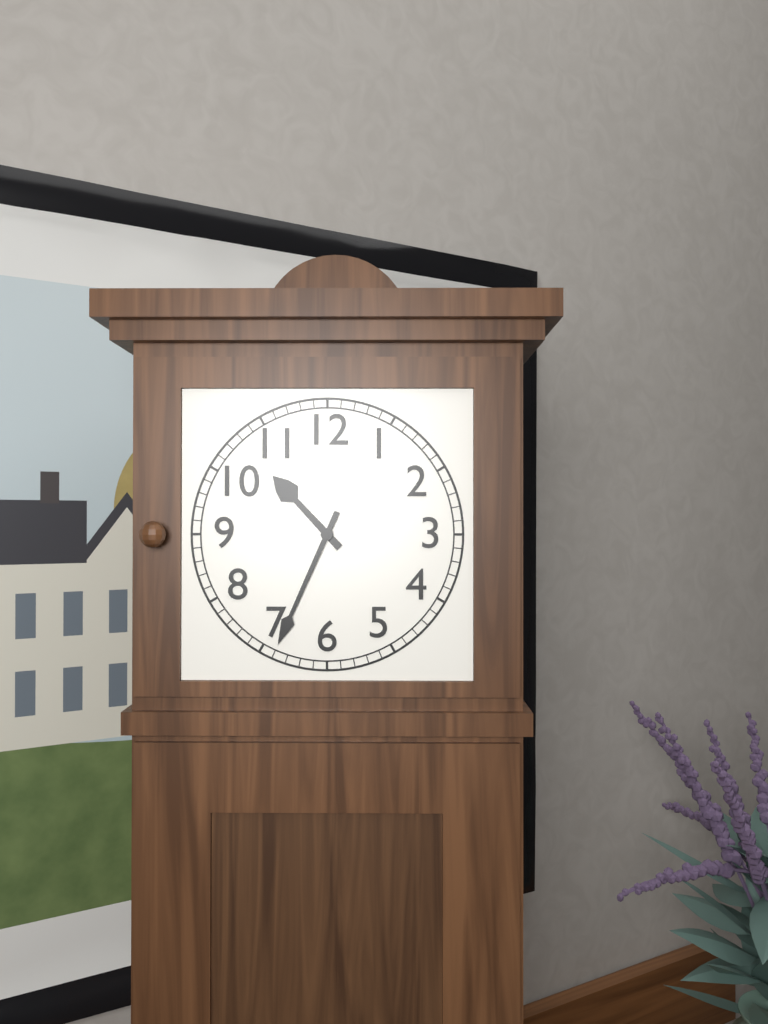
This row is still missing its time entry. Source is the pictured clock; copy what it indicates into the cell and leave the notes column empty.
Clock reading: 10:34
